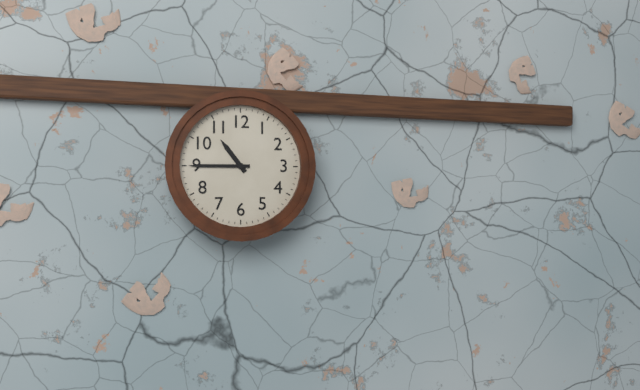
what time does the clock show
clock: 10:45
